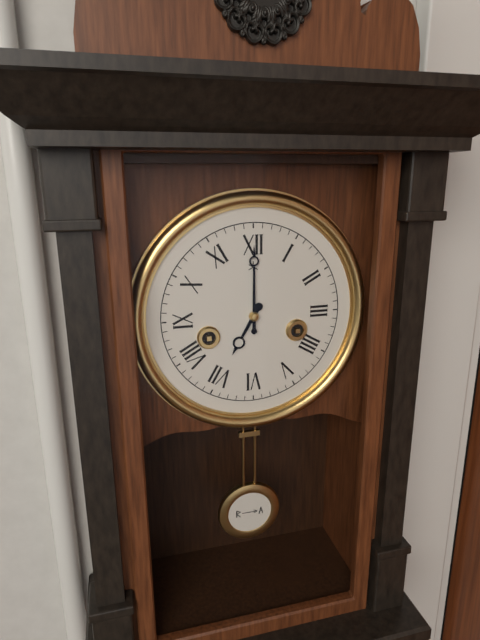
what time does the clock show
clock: 7:00
